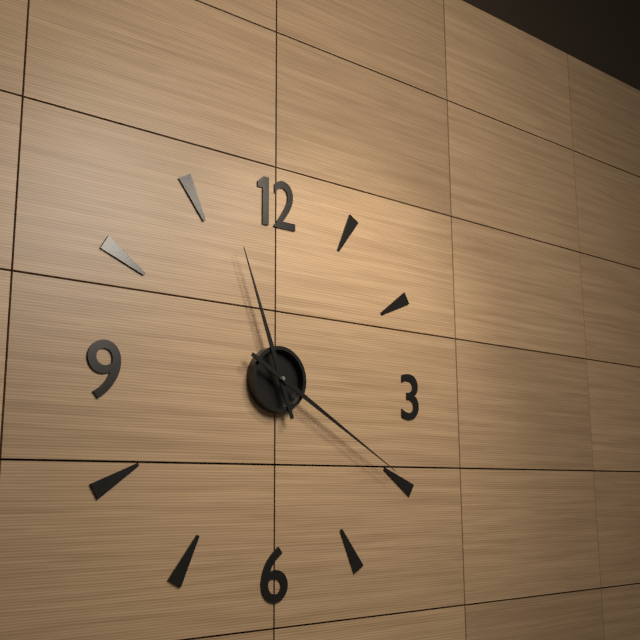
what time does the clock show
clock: 11:20
